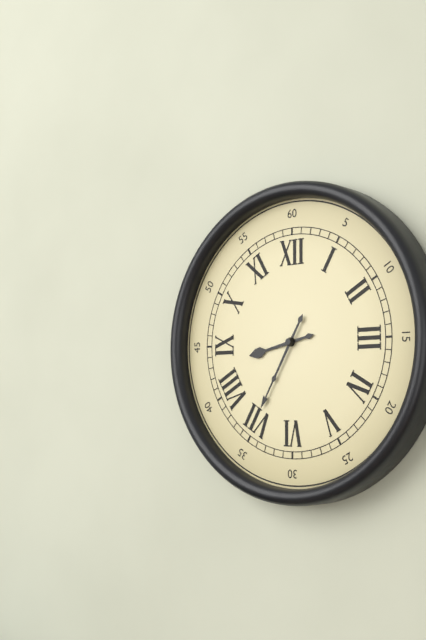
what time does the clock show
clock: 8:35
